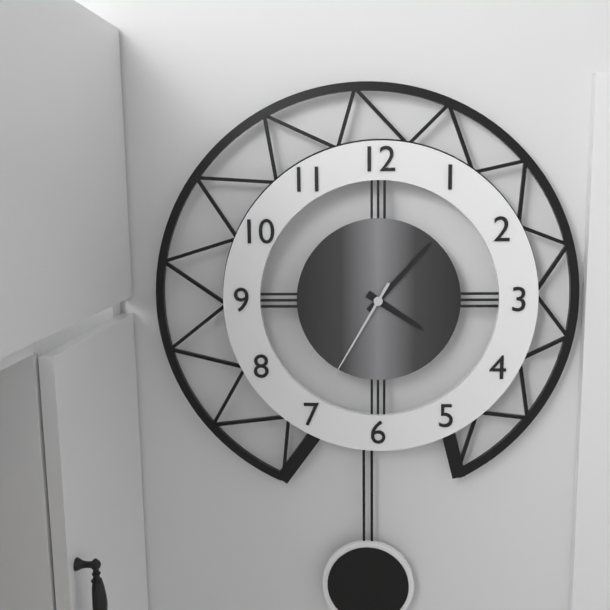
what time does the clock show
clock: 4:07:35
